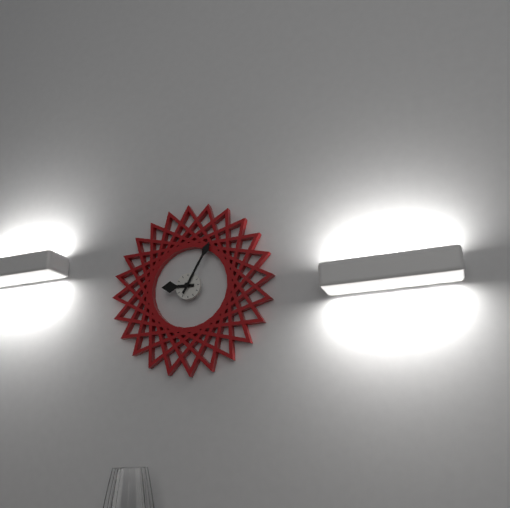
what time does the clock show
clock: 9:05
